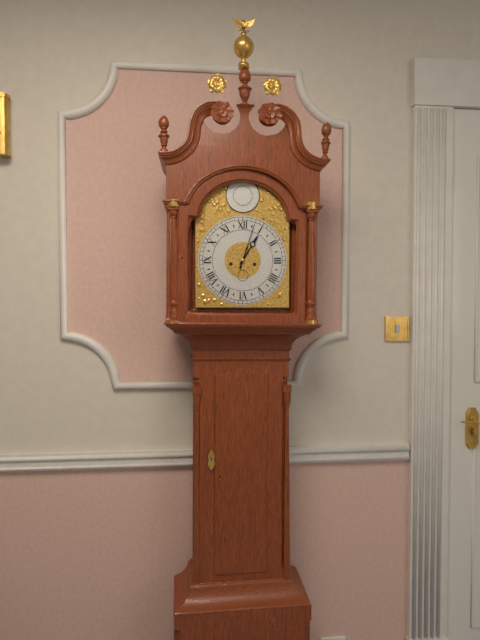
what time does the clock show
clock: 1:03
